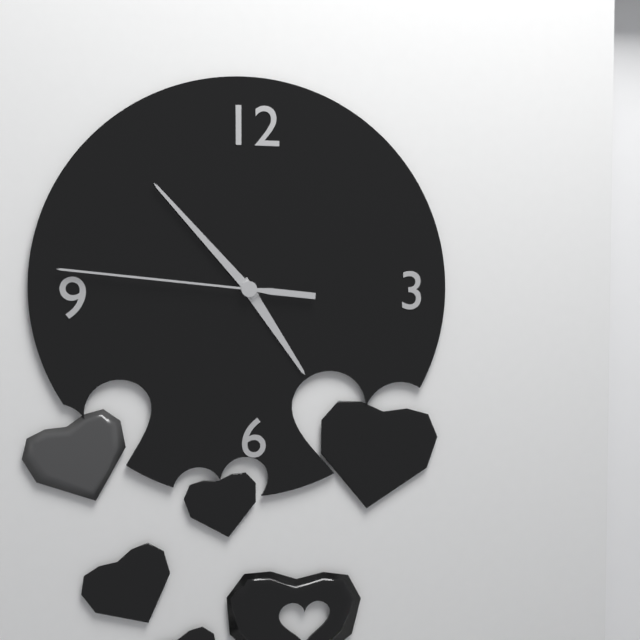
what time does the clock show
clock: 4:53:46
